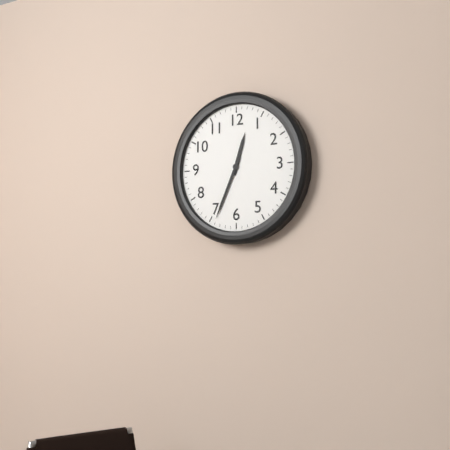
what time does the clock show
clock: 12:34
